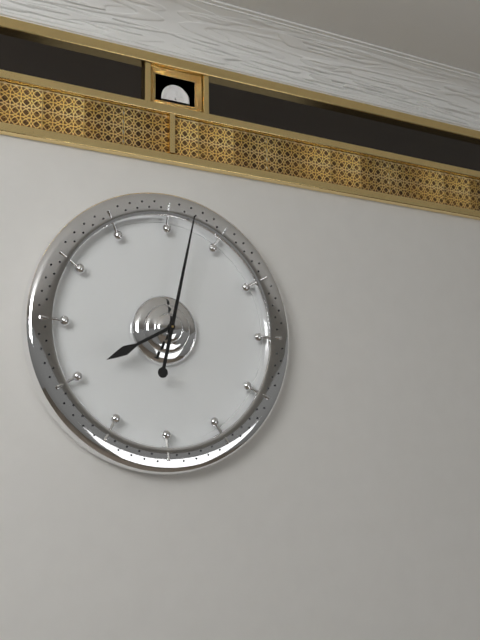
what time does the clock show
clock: 8:02
